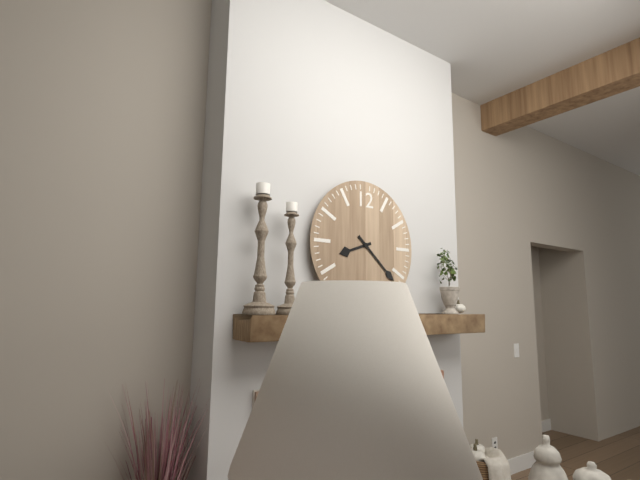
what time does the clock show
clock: 8:22
